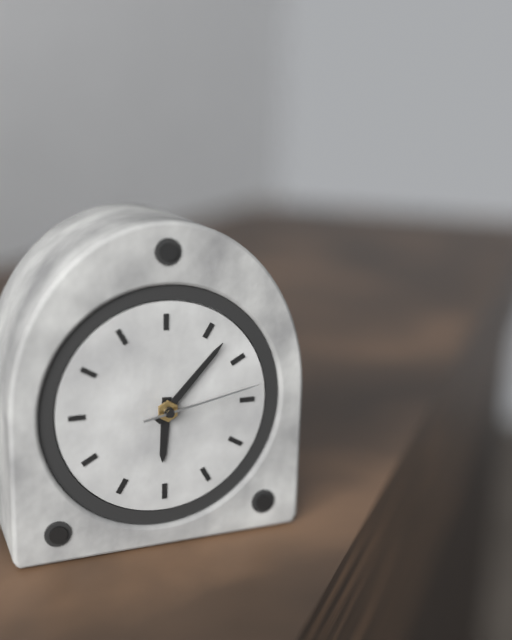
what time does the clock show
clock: 6:07:13
